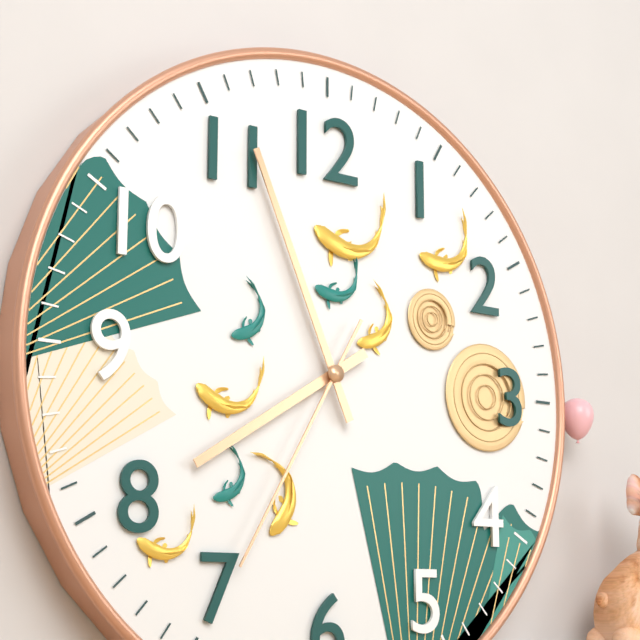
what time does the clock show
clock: 7:56:35
